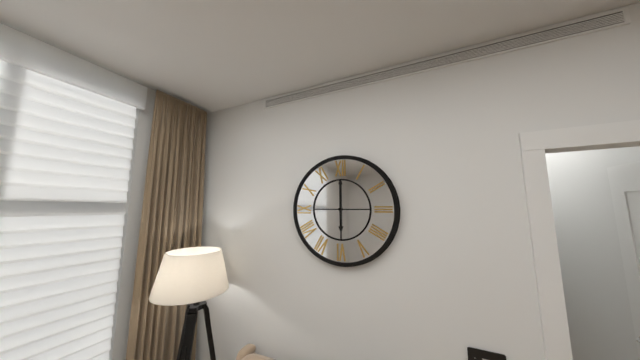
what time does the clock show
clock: 6:00
